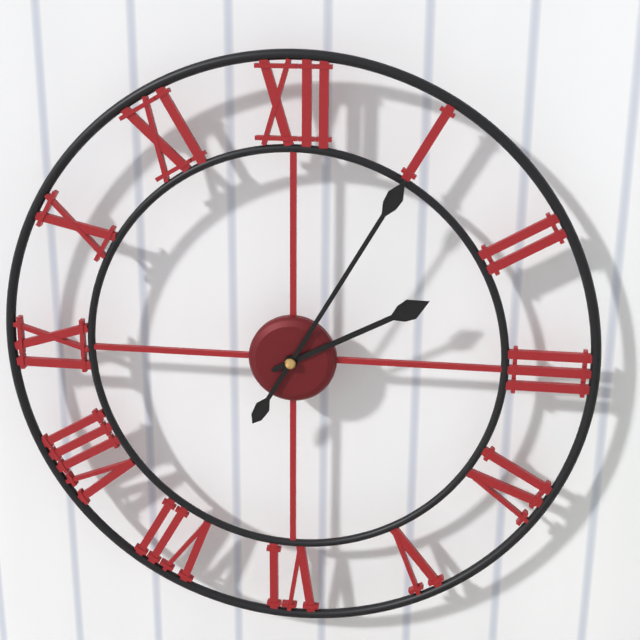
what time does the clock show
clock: 2:05
